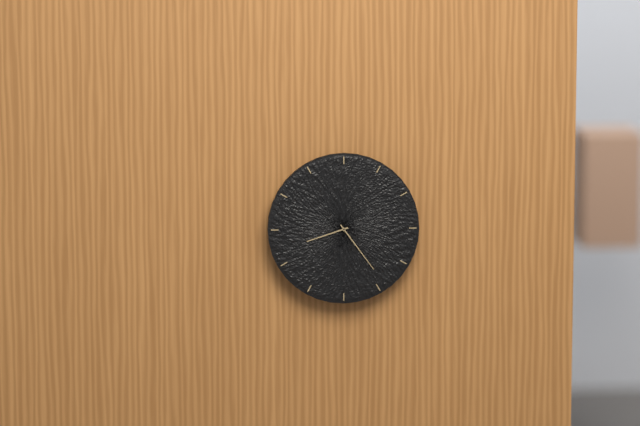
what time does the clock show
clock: 8:24
